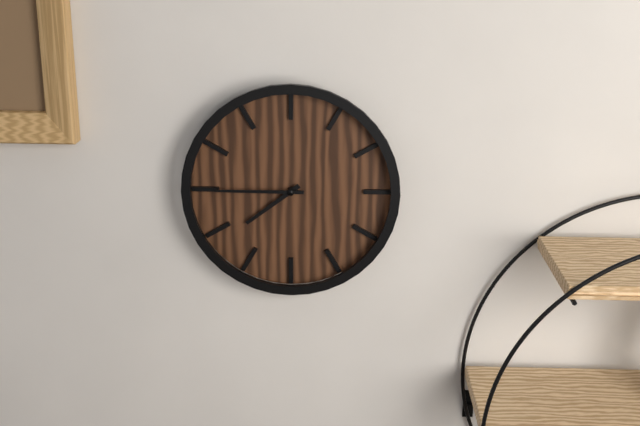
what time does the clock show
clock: 7:45
